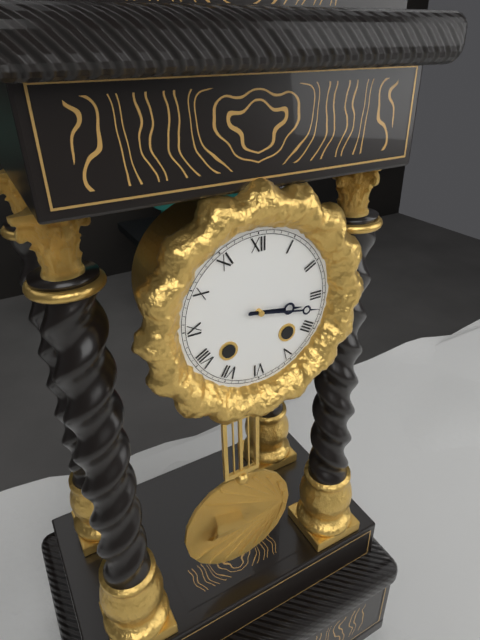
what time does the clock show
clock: 3:17
